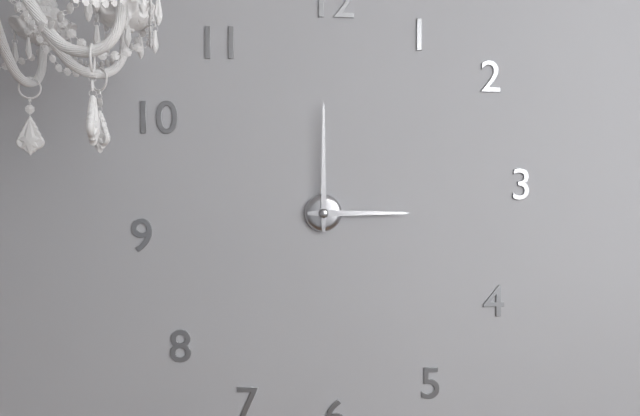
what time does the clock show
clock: 3:00
